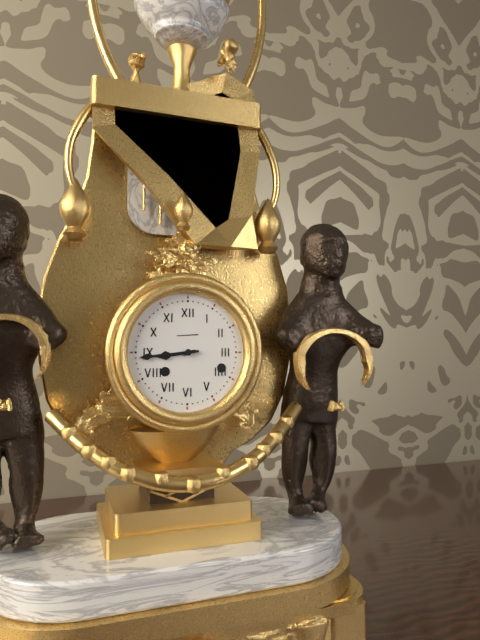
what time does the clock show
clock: 8:44
